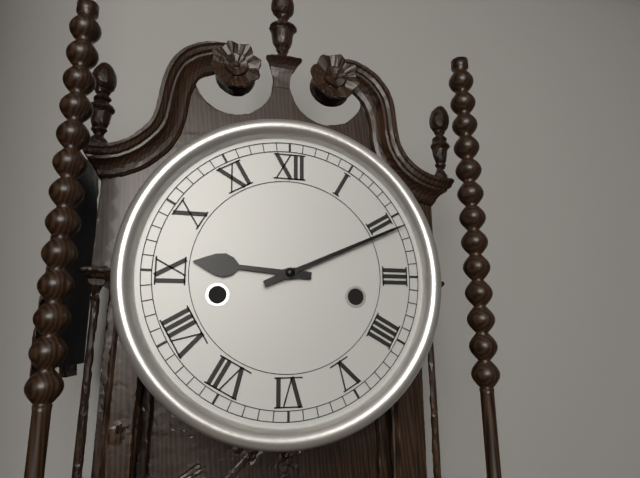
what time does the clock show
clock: 9:11
